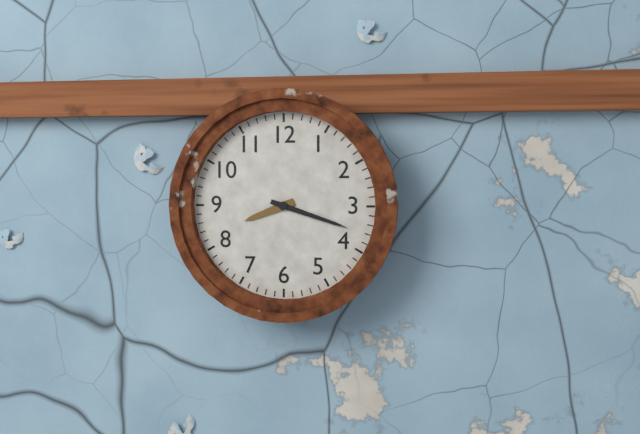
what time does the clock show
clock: 8:18
